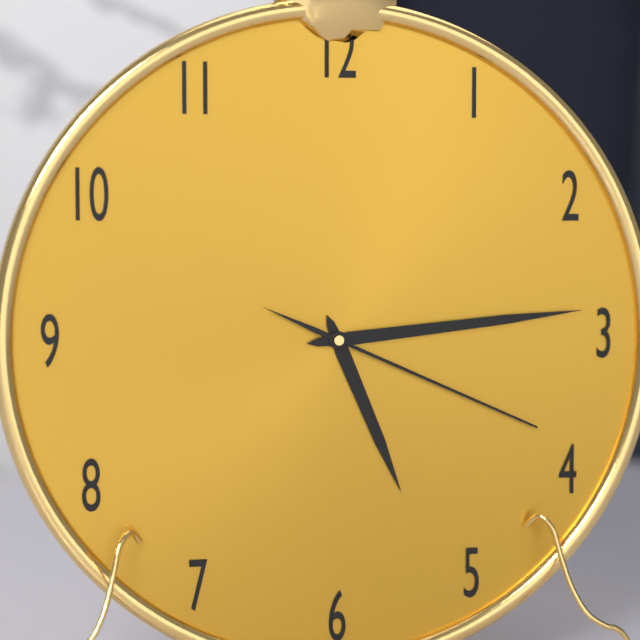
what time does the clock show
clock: 5:14:19
